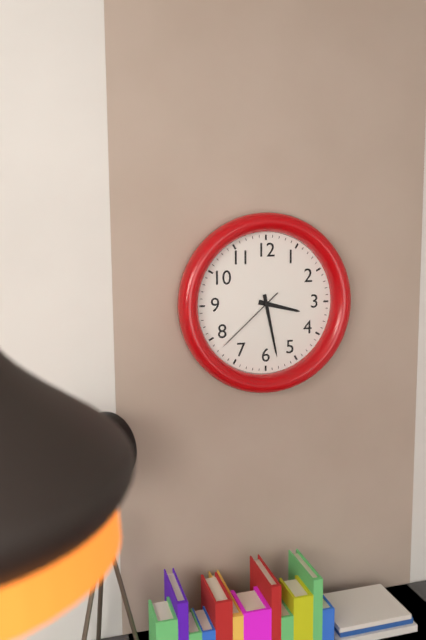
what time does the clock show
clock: 3:28:38
